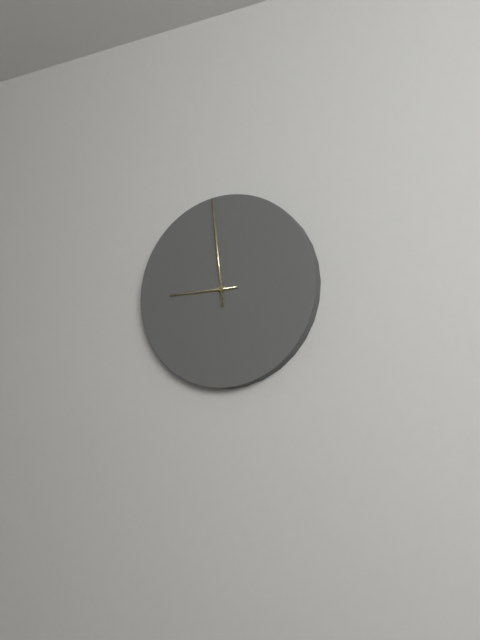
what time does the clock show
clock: 8:59
